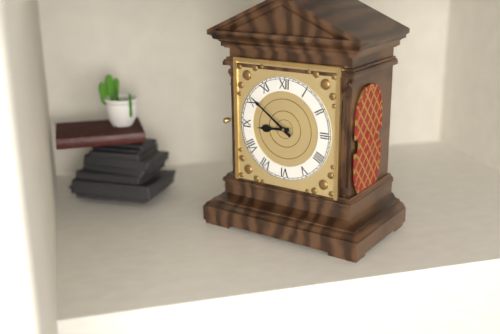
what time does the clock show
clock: 8:51
